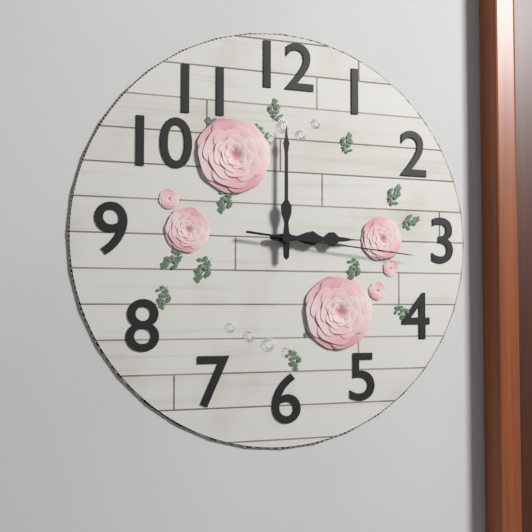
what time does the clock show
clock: 3:00:16
